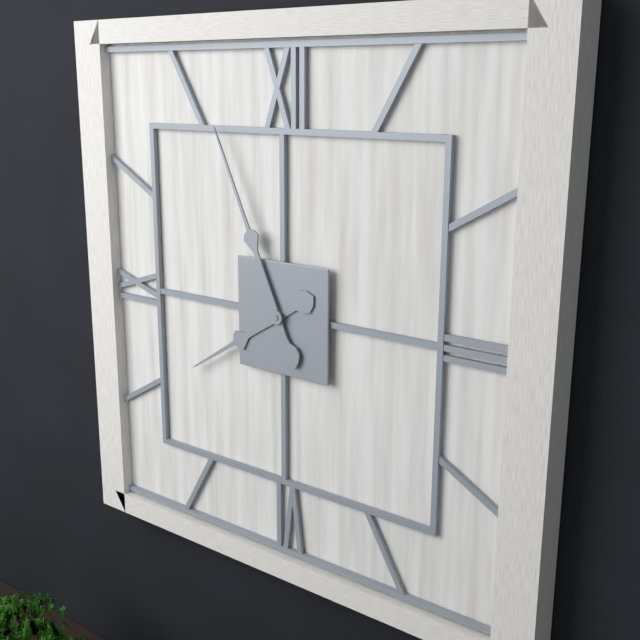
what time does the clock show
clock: 7:56
